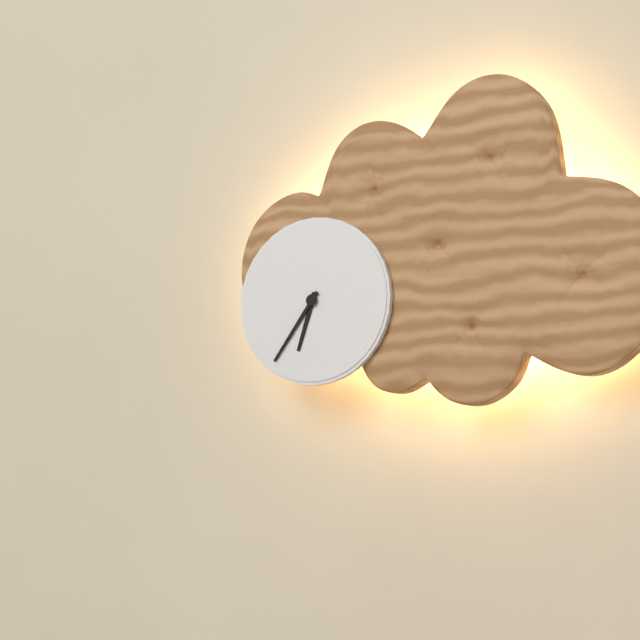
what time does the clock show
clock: 6:36
